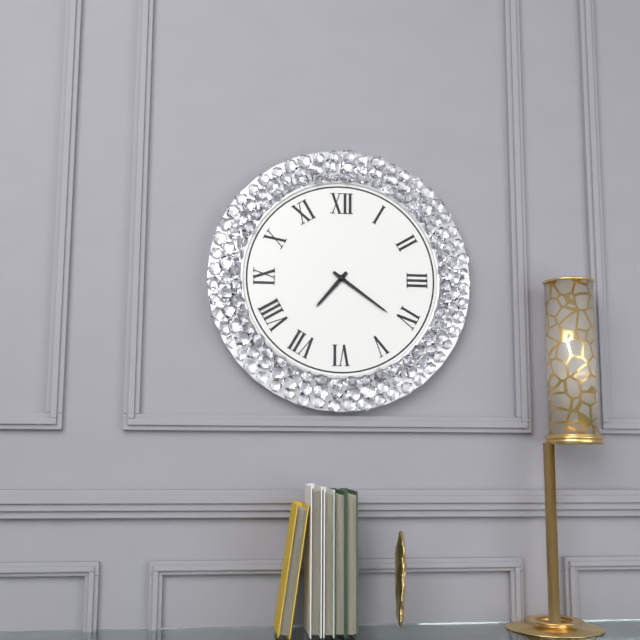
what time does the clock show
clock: 7:21
